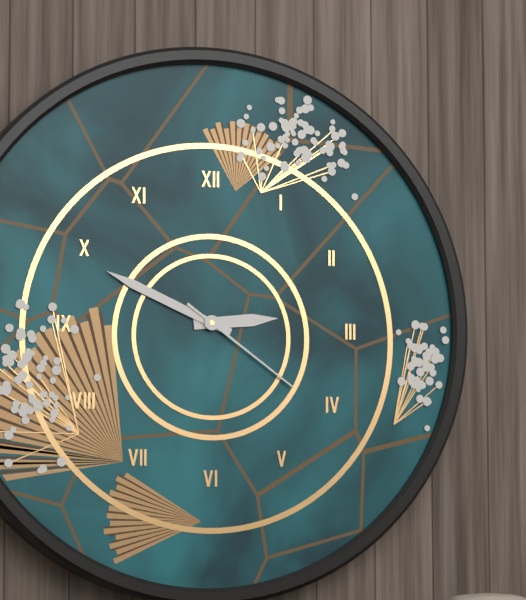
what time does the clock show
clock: 2:49:21
